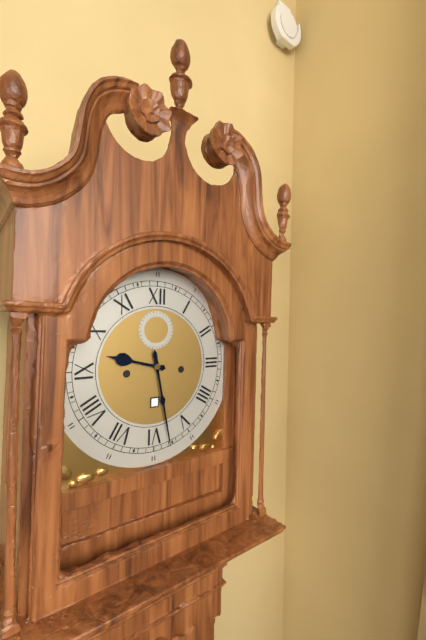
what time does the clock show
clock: 9:28
